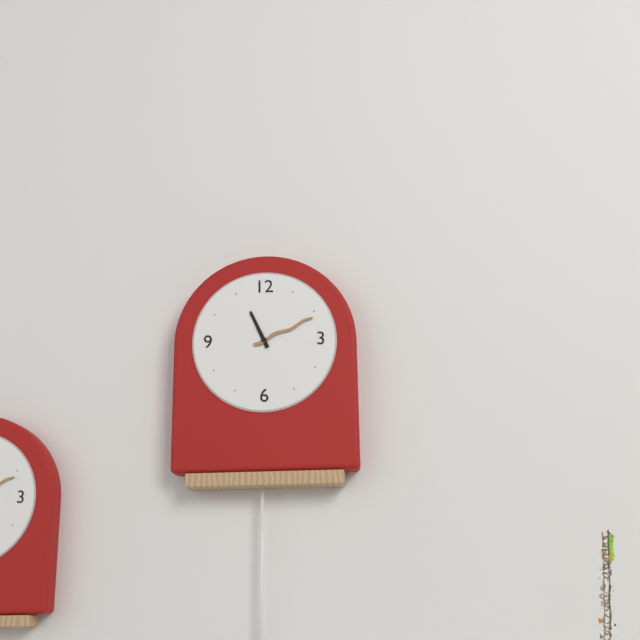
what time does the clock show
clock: 11:11
